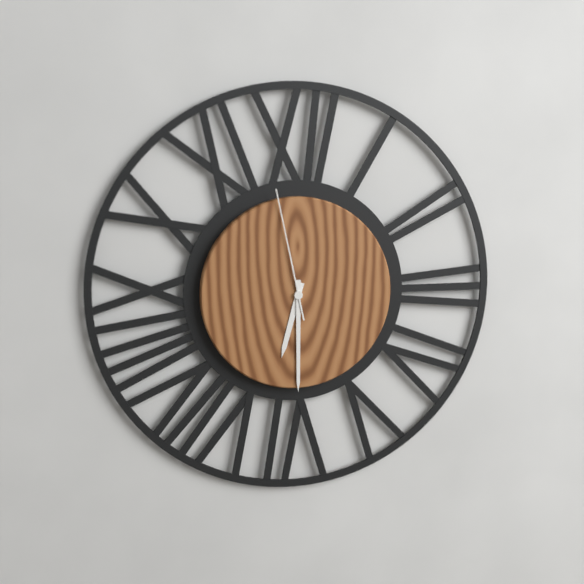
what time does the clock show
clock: 6:30:58
